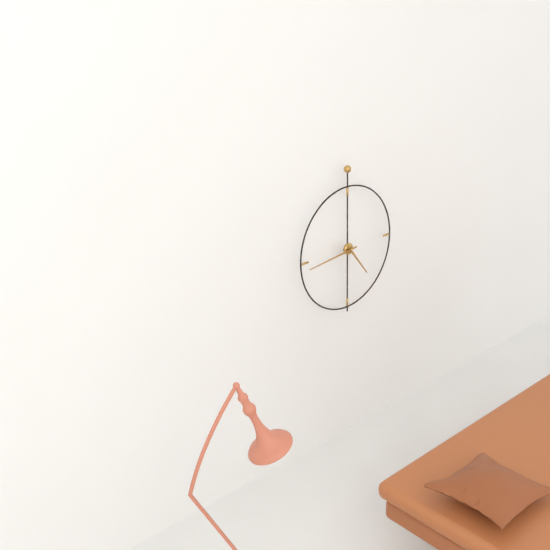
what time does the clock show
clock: 4:44
